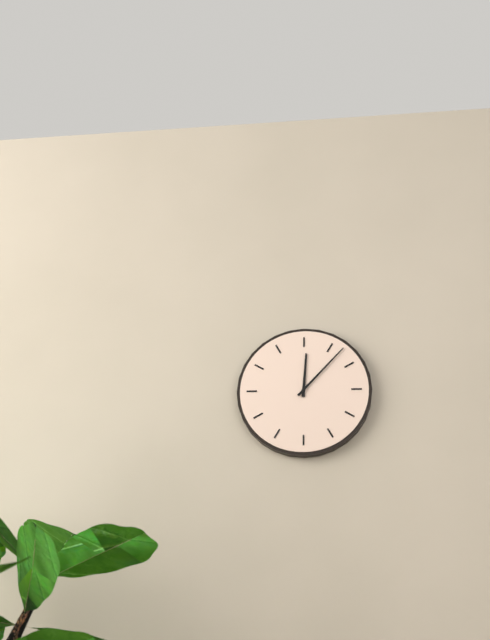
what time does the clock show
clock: 12:07
